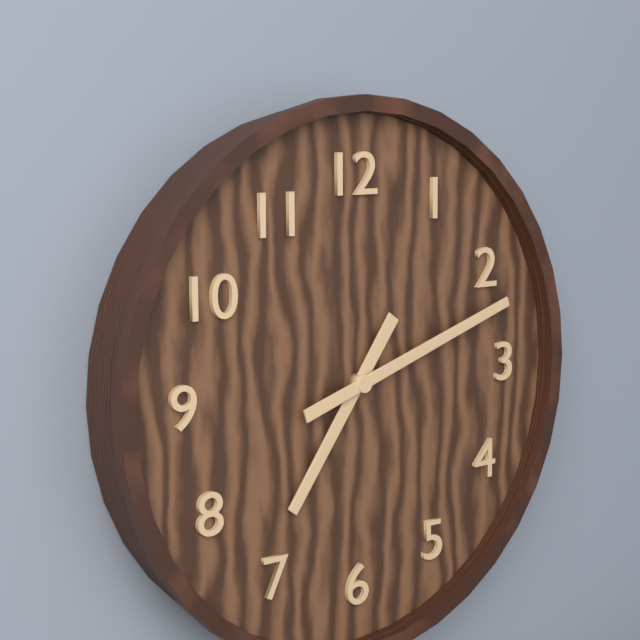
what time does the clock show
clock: 7:12
